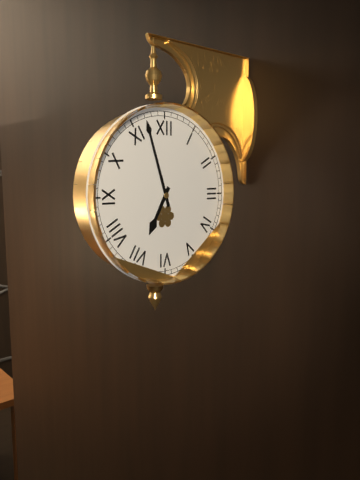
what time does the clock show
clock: 6:57
